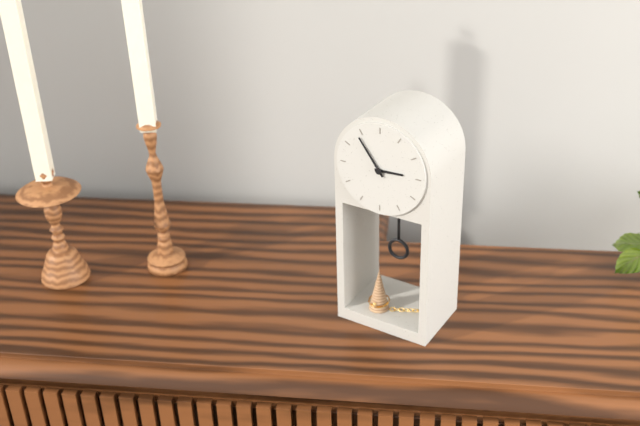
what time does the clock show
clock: 2:54
